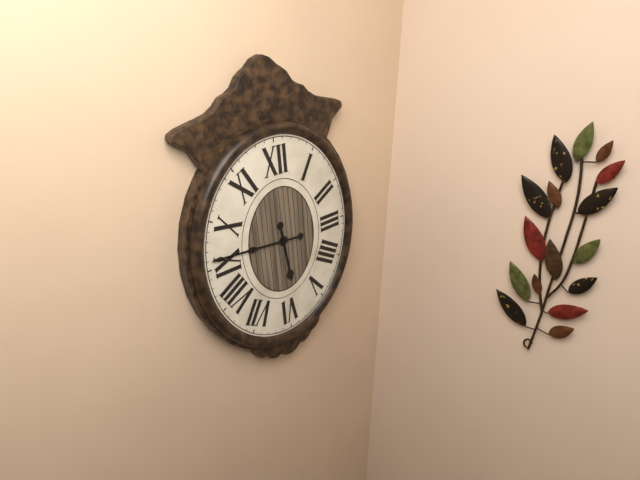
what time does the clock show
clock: 5:46
